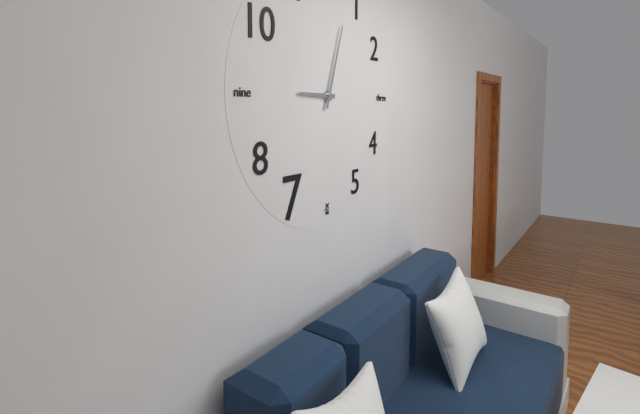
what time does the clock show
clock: 9:03
